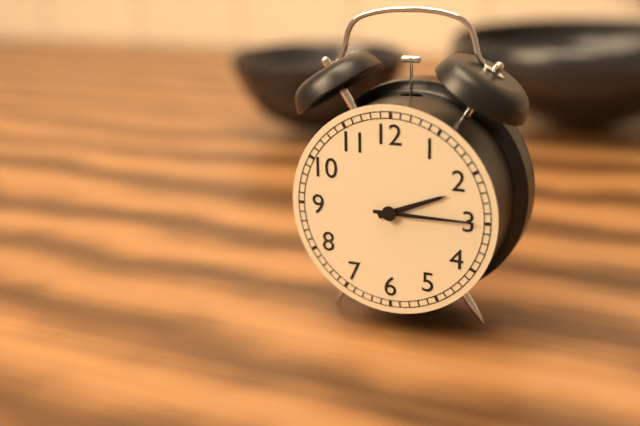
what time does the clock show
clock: 2:15
